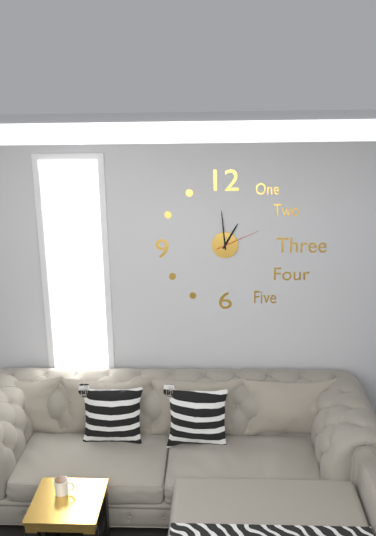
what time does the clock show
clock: 12:59
